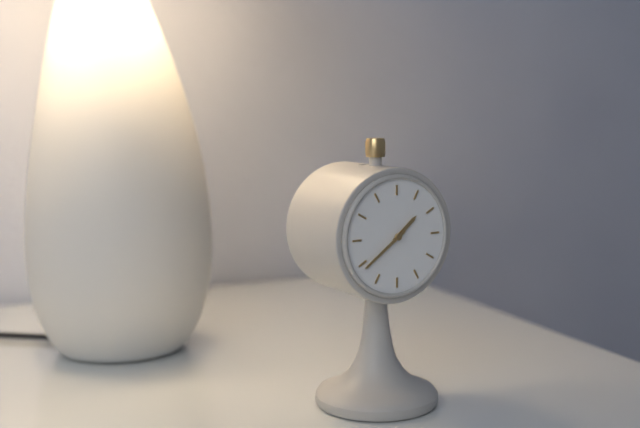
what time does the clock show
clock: 1:39
